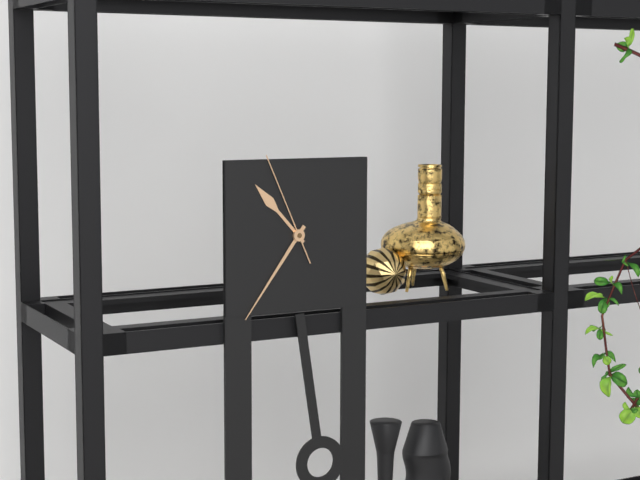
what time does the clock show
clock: 10:36:56
